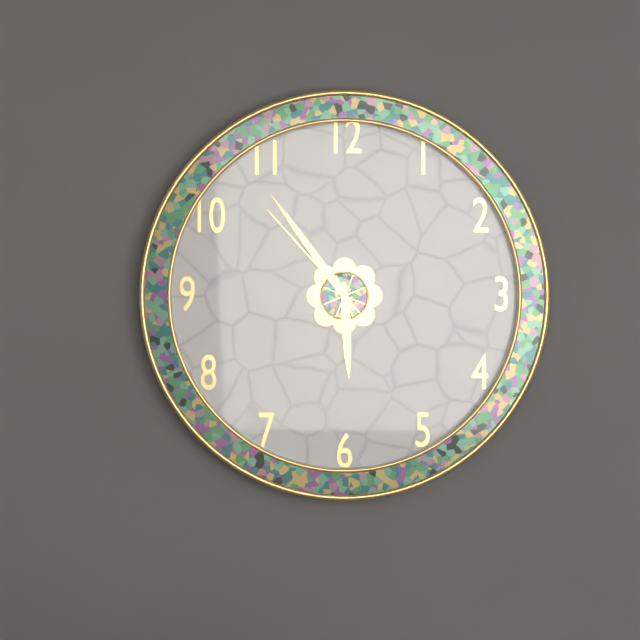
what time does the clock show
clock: 5:54:53
